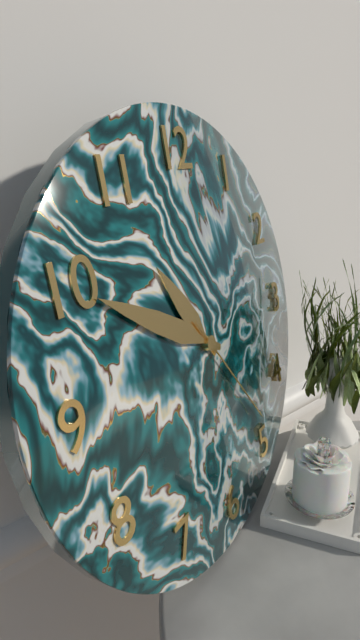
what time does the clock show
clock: 10:50:24
